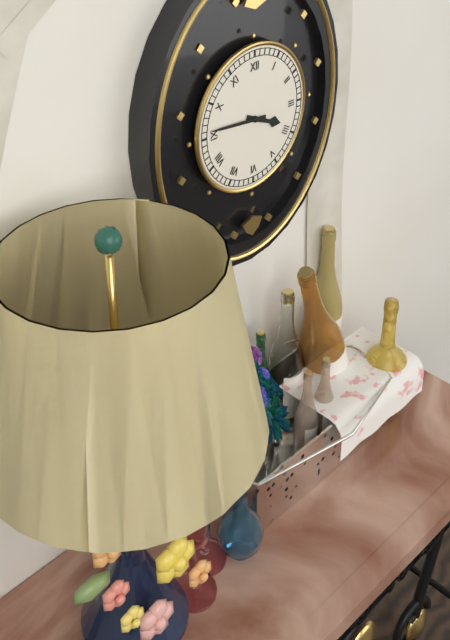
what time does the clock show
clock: 3:46
